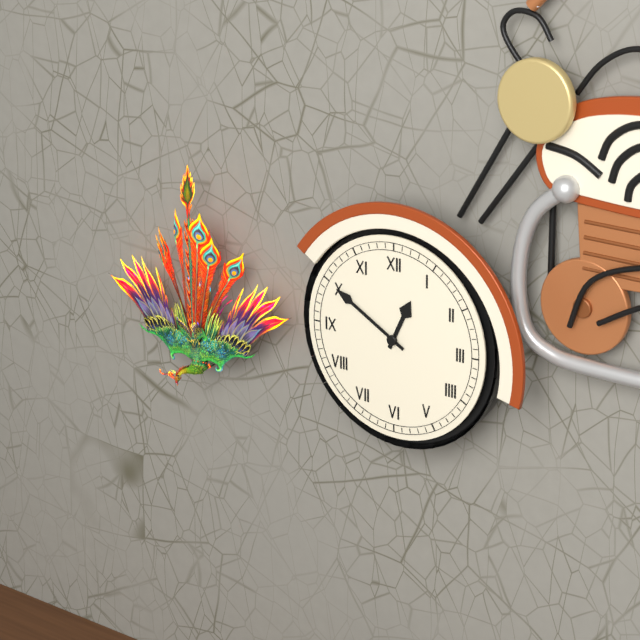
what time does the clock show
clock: 12:50
